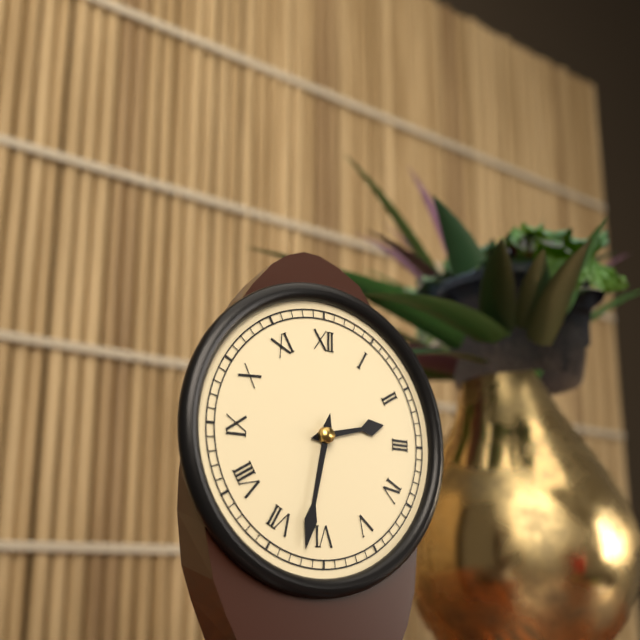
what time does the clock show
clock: 2:32
